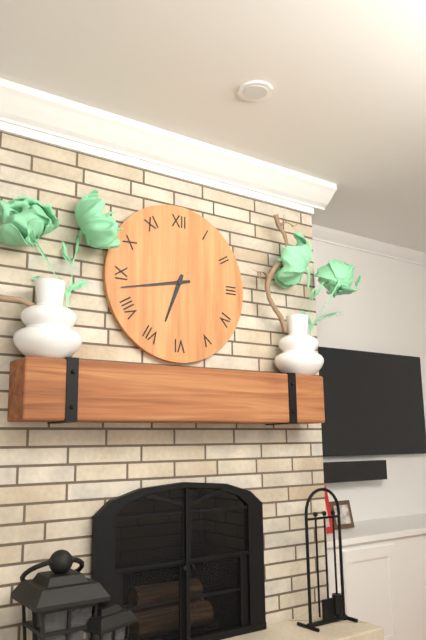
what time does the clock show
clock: 6:43
